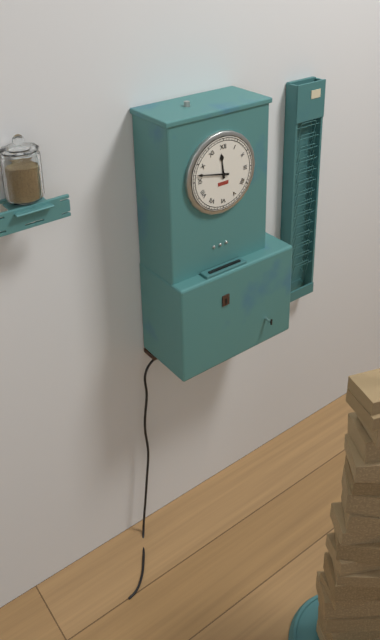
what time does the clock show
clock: 11:47
